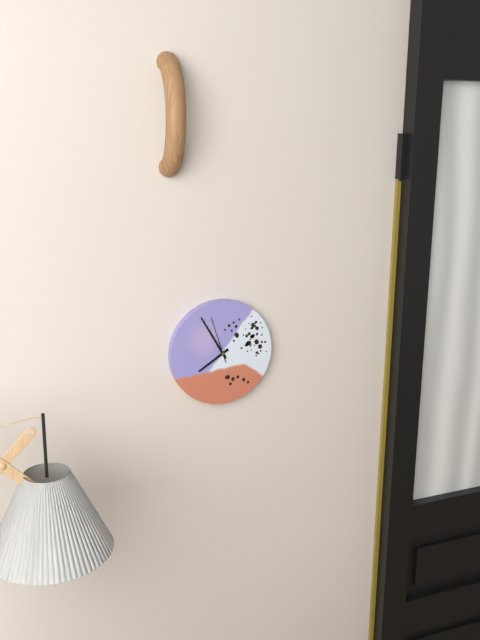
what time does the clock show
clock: 7:55
